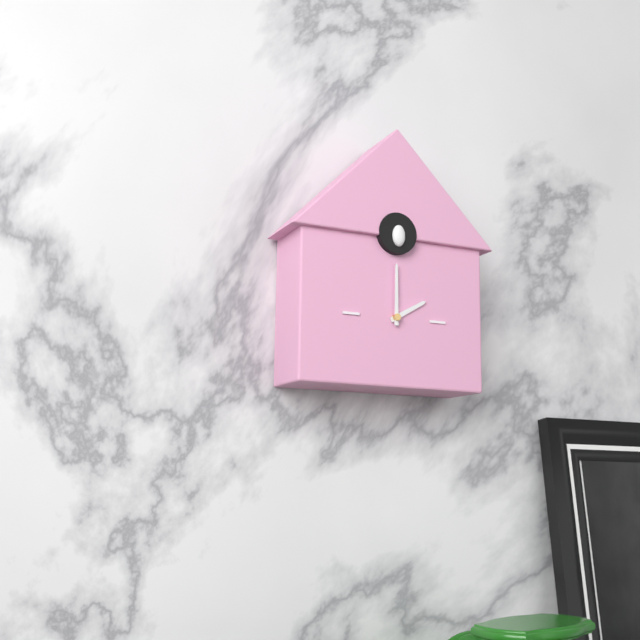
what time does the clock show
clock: 2:00
